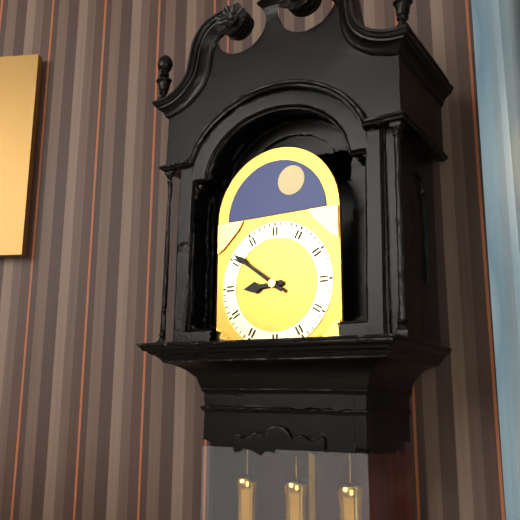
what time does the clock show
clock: 8:51
